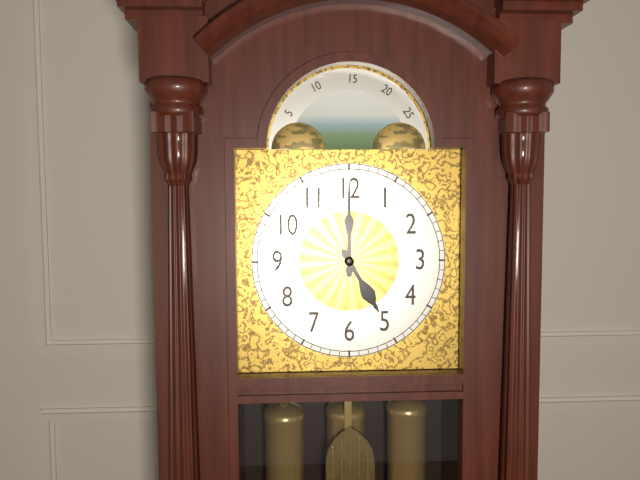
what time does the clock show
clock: 5:00
